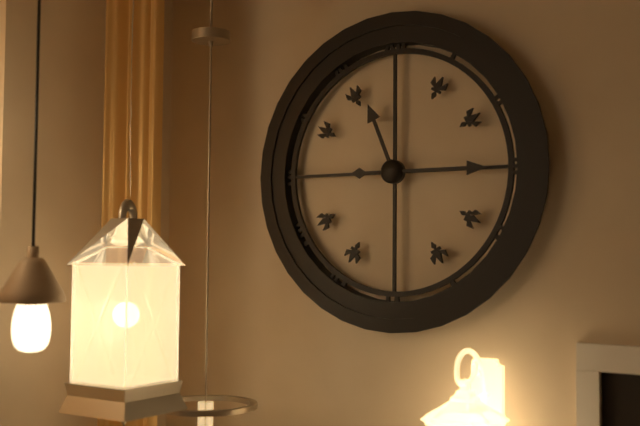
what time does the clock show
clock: 11:15
